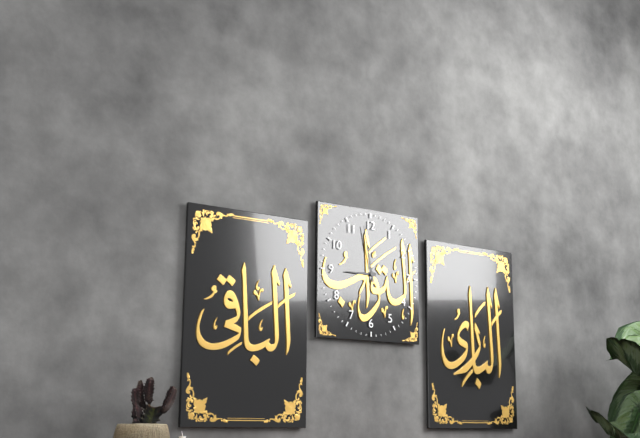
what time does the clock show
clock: 8:58
